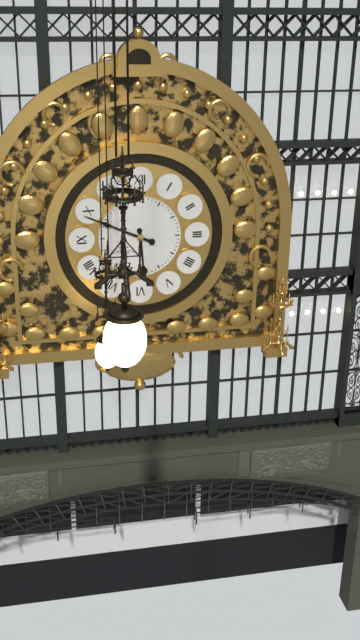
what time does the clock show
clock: 5:49
